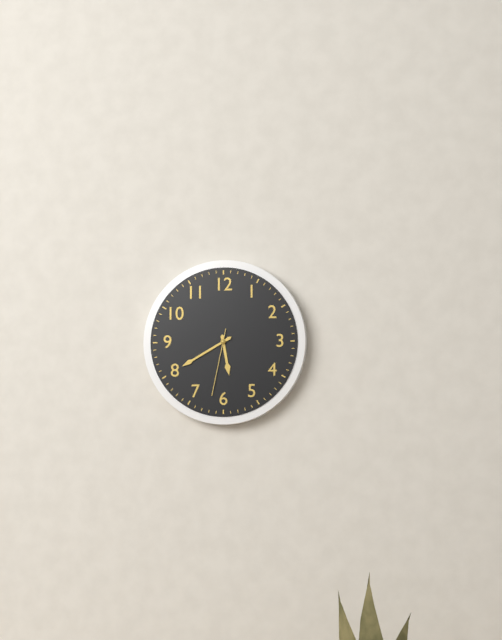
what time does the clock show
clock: 5:40:32
